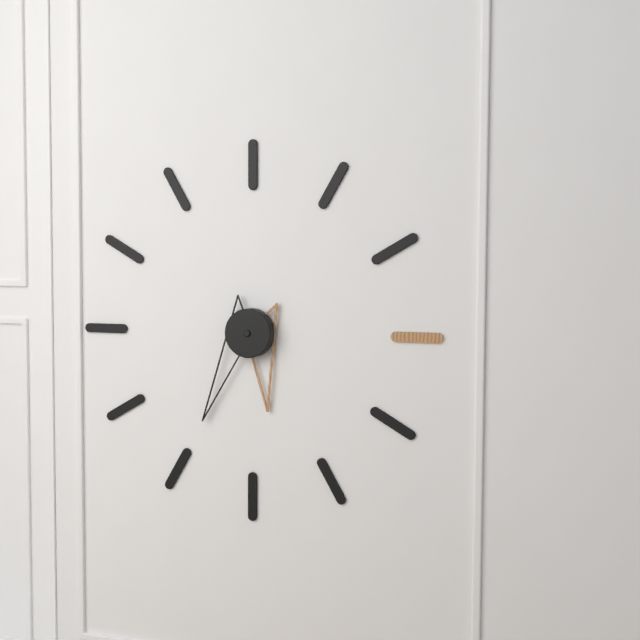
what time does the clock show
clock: 5:35
